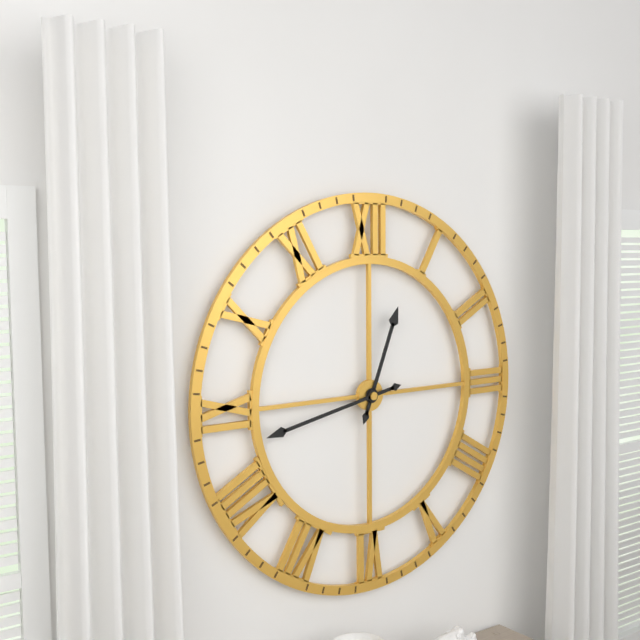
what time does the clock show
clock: 12:43
